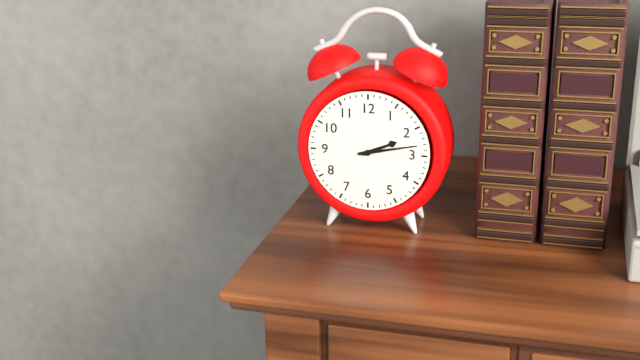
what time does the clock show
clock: 2:13
